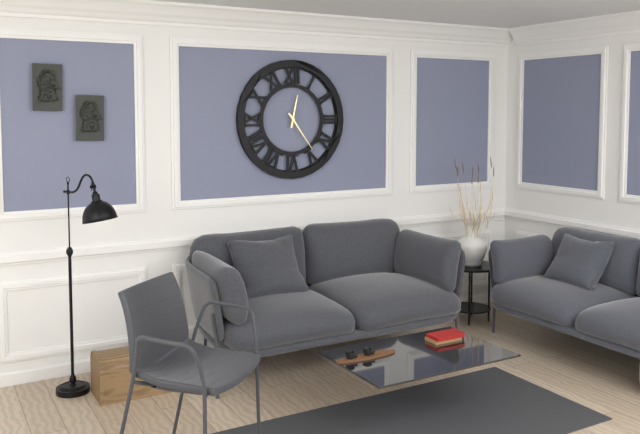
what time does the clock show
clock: 12:24
